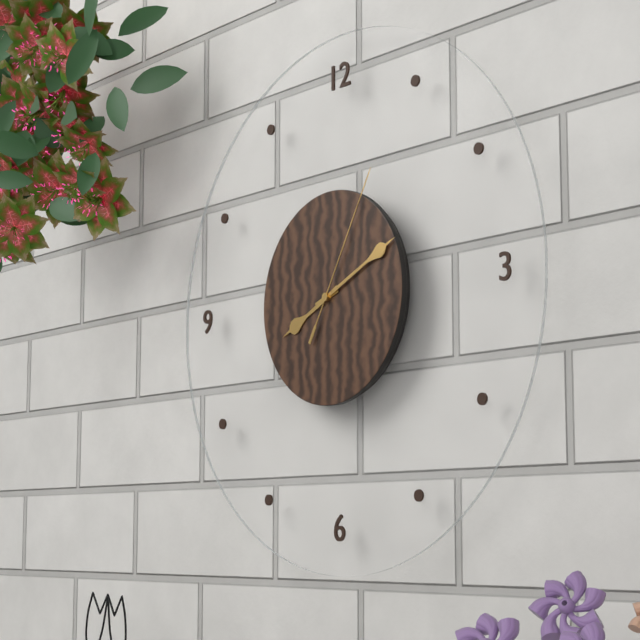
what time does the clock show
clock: 8:11:05
